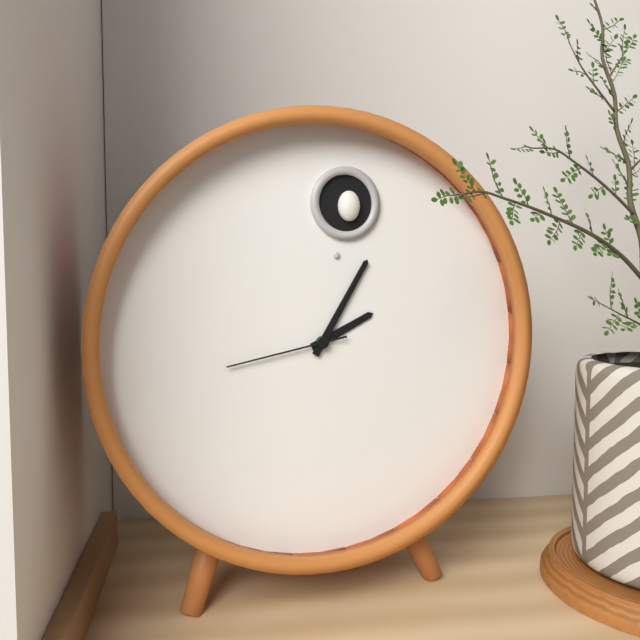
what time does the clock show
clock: 2:05:43
